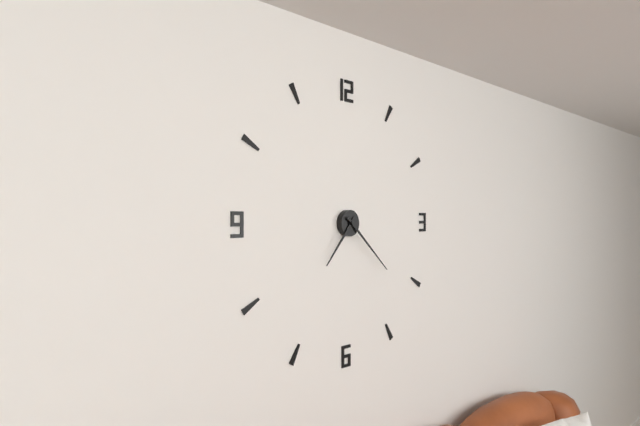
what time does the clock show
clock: 7:22
